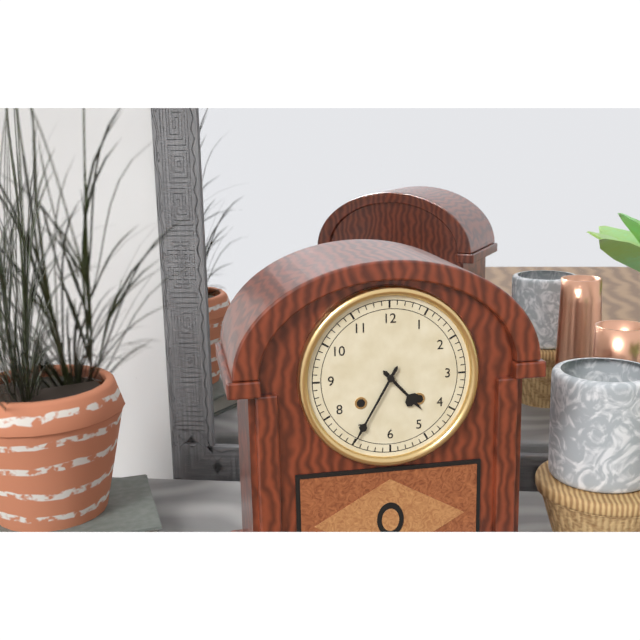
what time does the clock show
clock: 4:35
